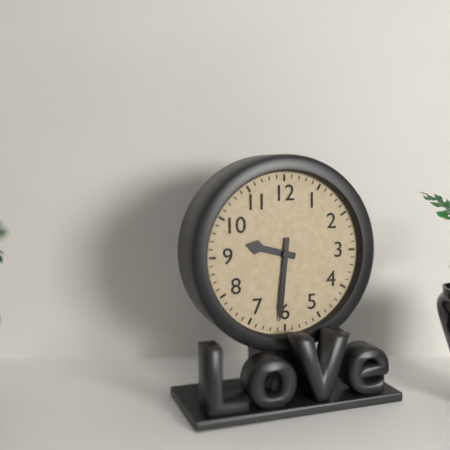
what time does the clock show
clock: 9:31
